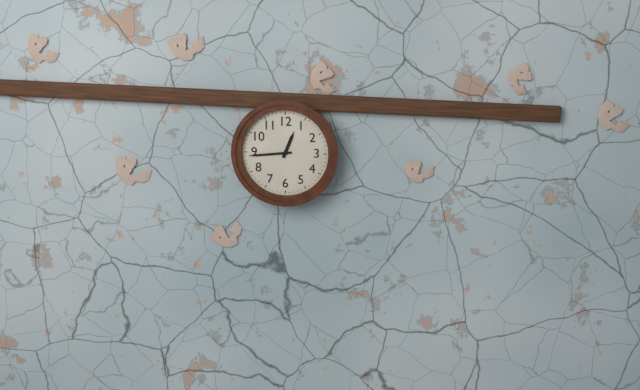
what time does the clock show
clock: 12:44
